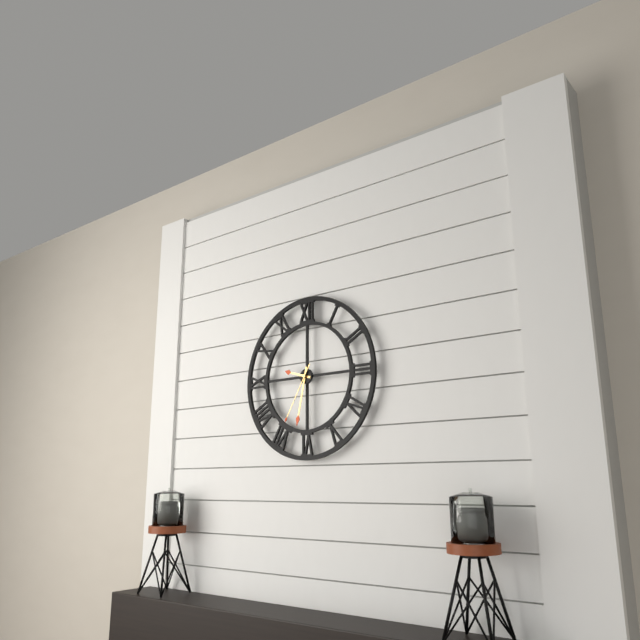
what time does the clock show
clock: 9:32:35
